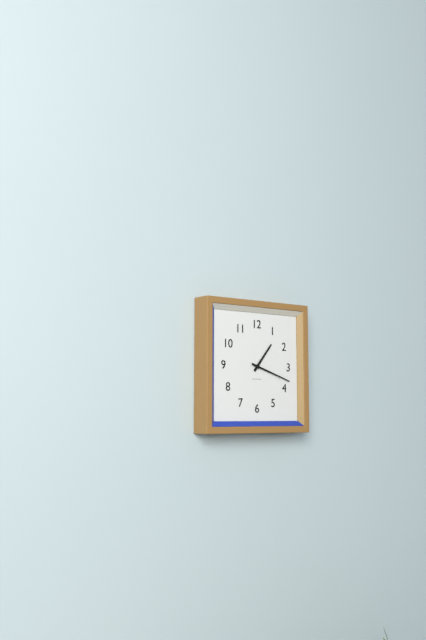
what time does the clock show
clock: 1:18
